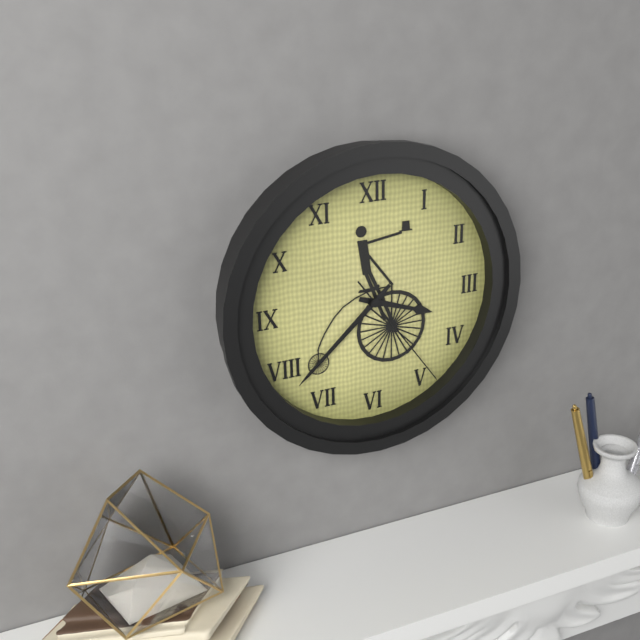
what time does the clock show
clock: 3:38:24
